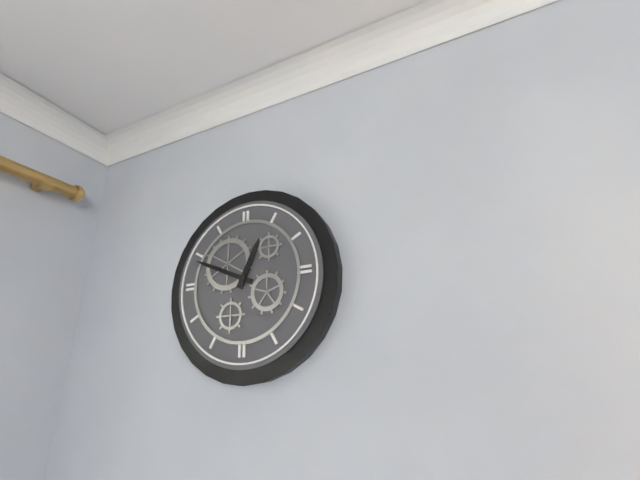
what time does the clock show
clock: 12:49
